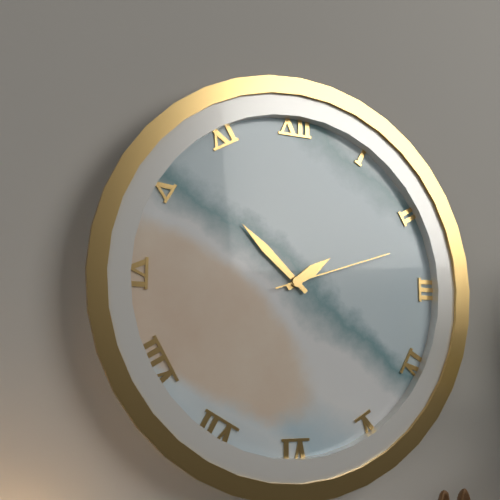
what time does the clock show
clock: 1:52:12
